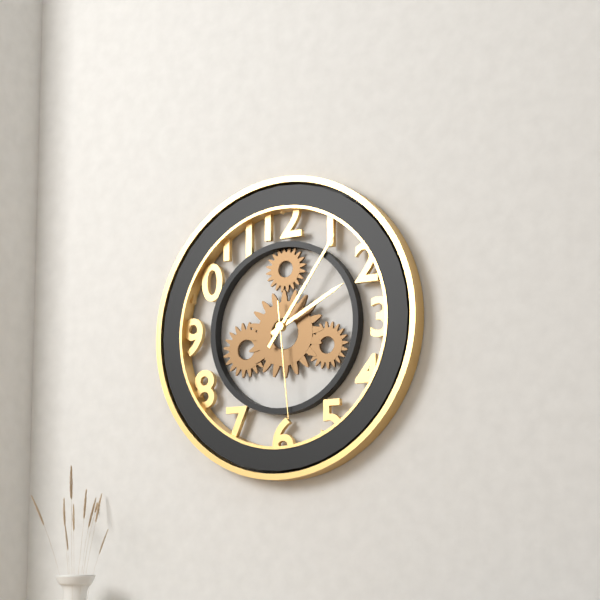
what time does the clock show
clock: 2:06:29
